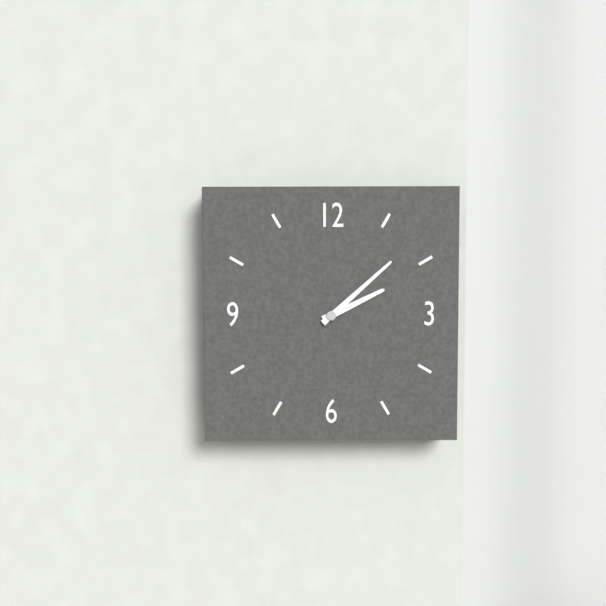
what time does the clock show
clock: 2:08
